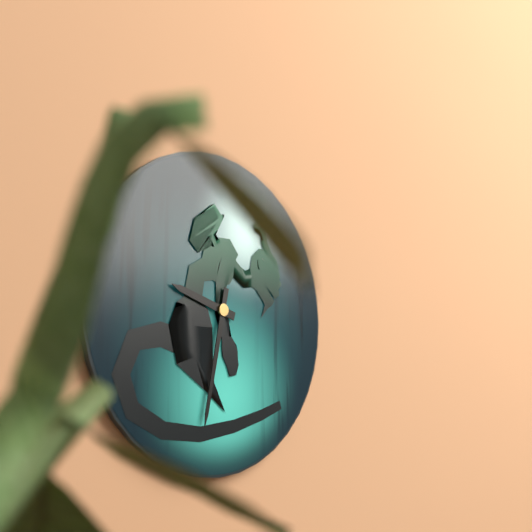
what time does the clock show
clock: 9:32
